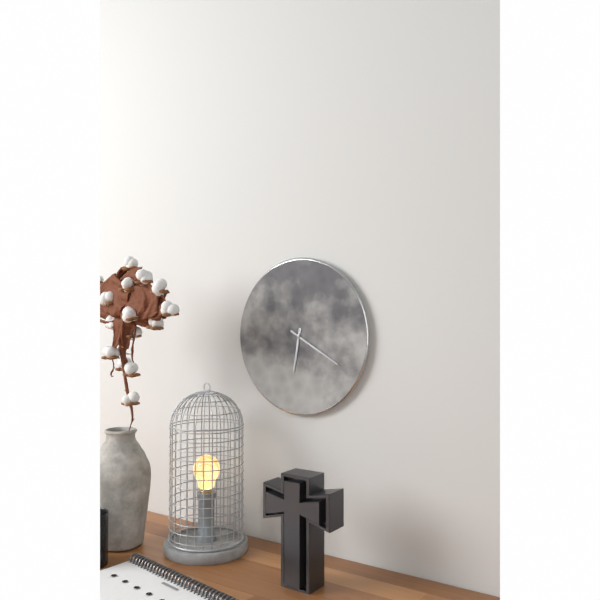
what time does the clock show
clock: 6:20
